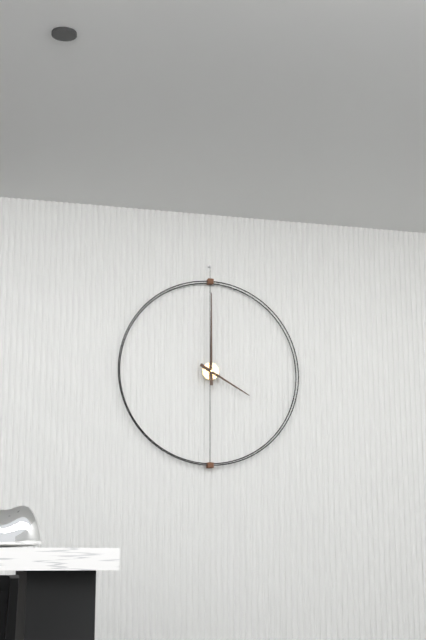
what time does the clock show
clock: 4:00
